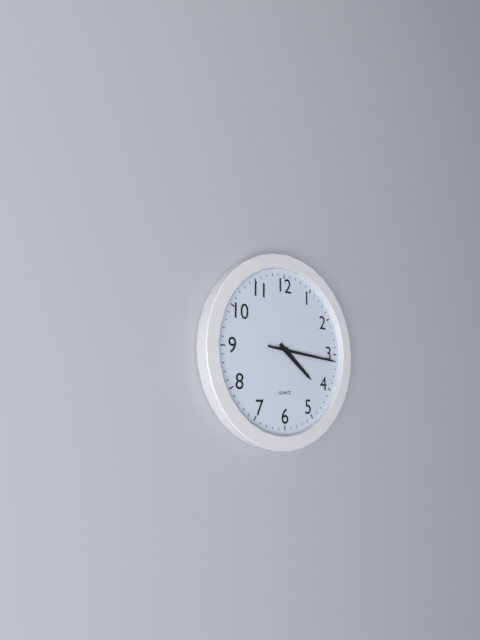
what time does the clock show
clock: 4:16
